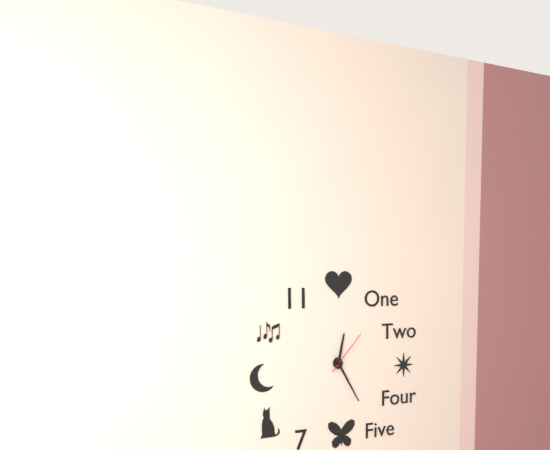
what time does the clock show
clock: 12:25
